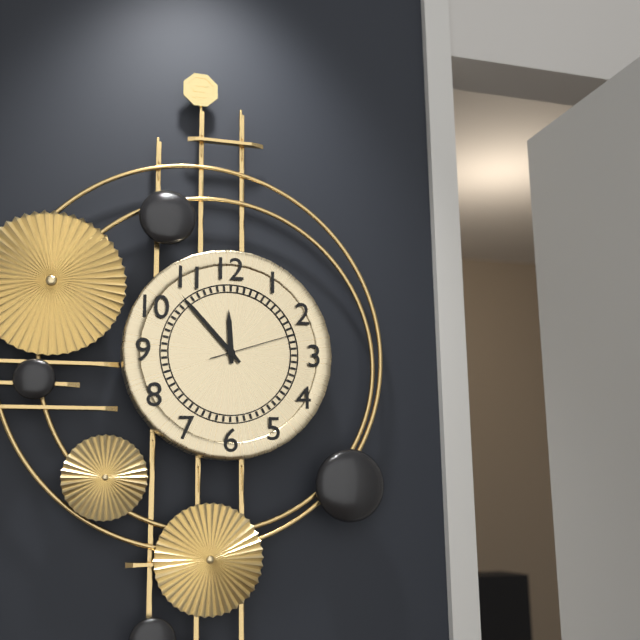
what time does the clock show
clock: 11:53:12
